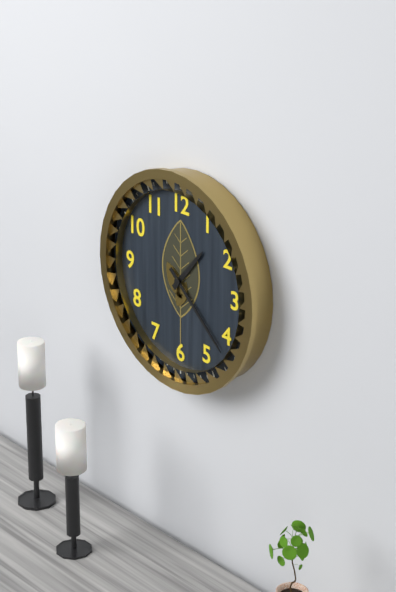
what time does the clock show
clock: 1:22
